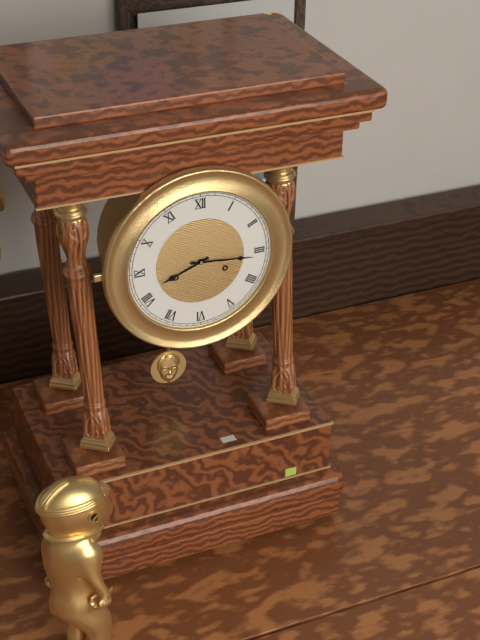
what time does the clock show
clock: 8:16
